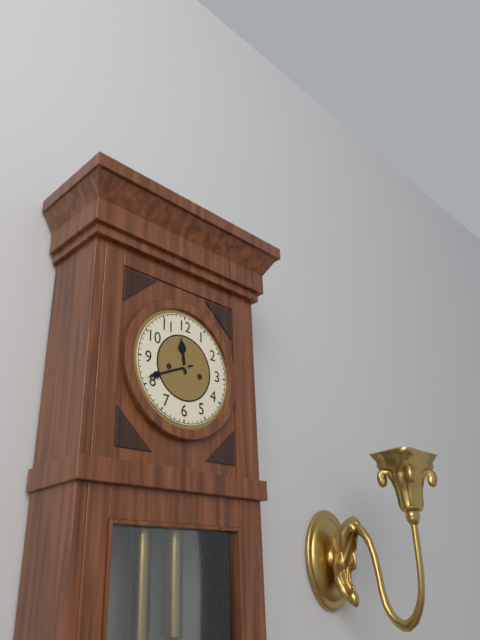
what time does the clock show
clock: 11:41
